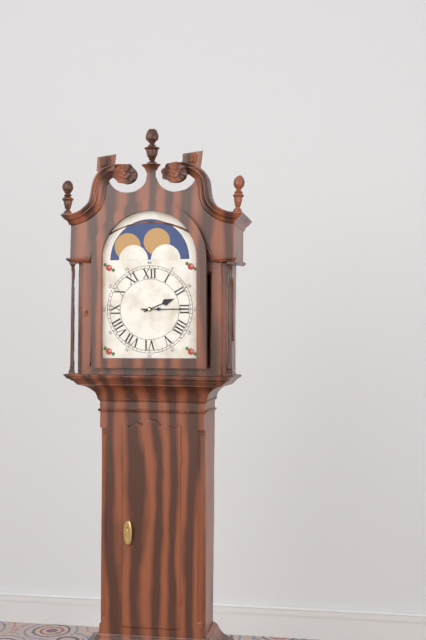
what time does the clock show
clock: 2:15
